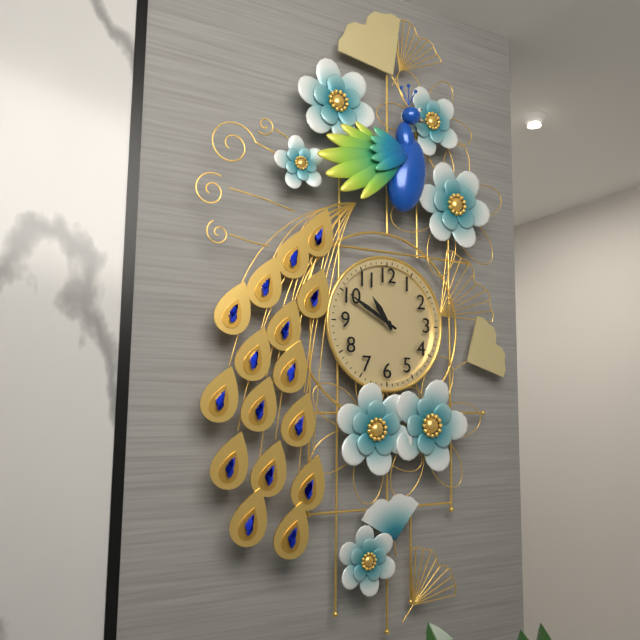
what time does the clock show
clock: 10:50
